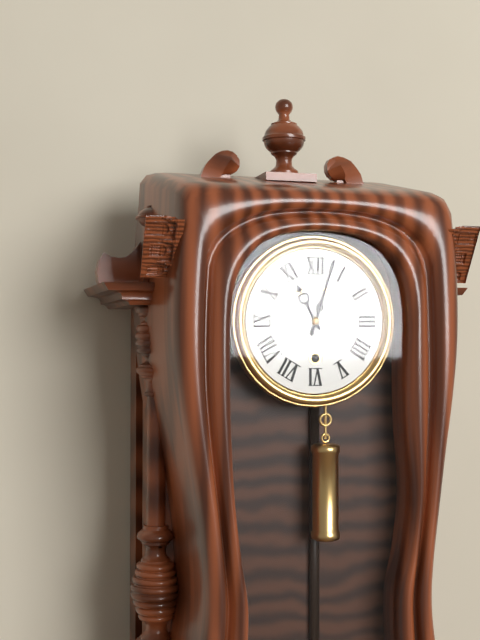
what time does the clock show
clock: 11:03
